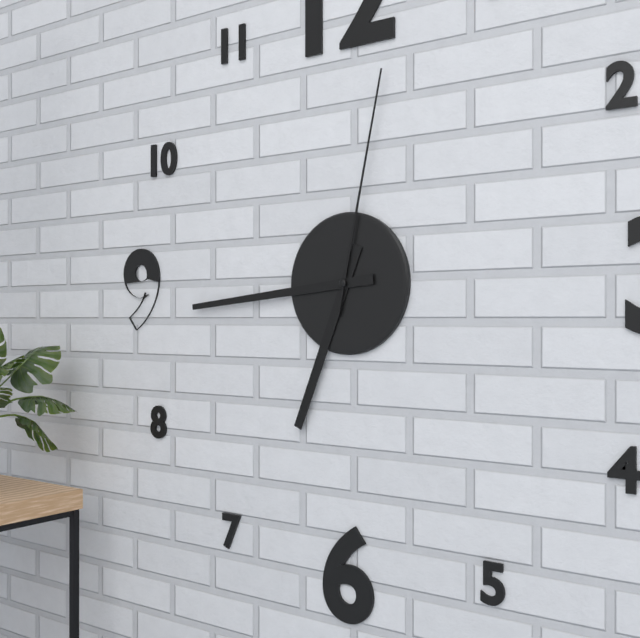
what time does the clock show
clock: 6:44:02
